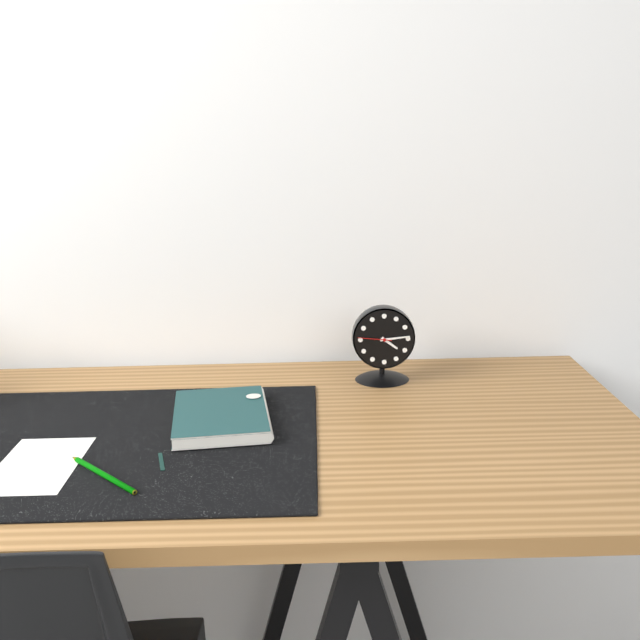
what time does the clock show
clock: 4:14
